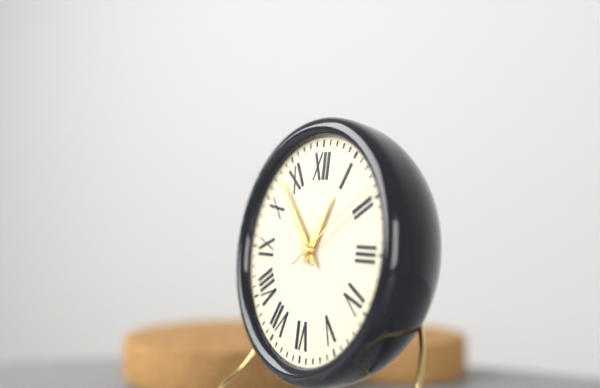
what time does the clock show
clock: 12:53:09
